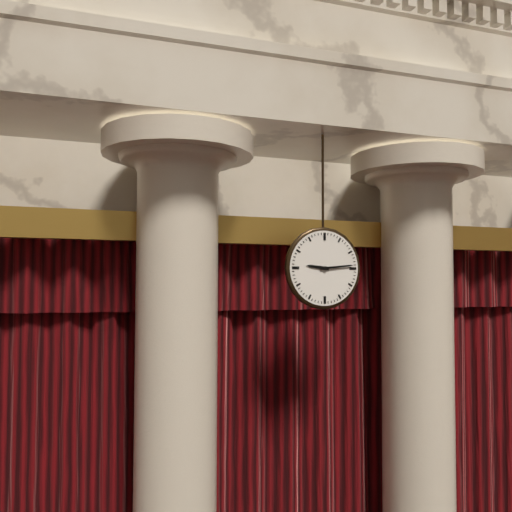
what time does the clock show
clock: 9:14
